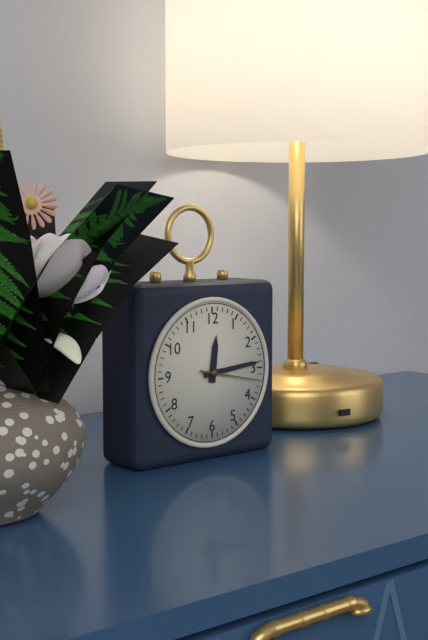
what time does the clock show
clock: 12:14:17
